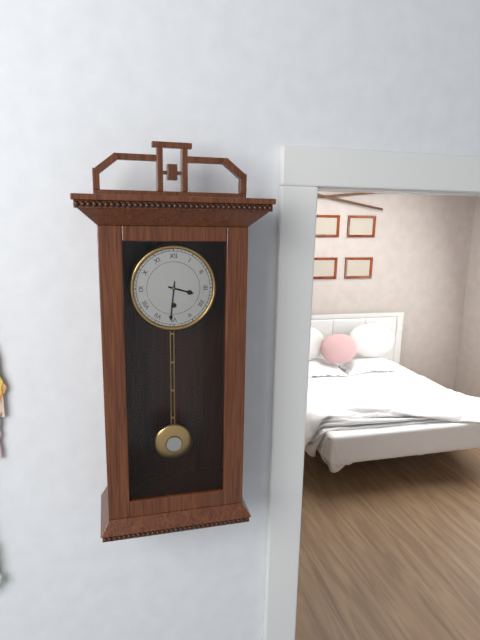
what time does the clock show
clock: 3:31
